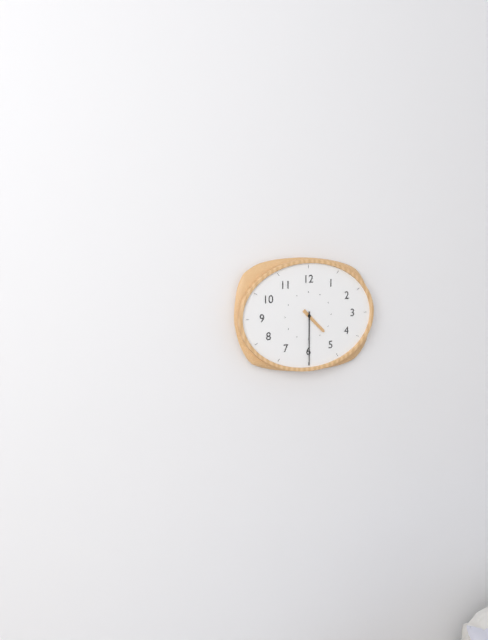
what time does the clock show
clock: 4:30
